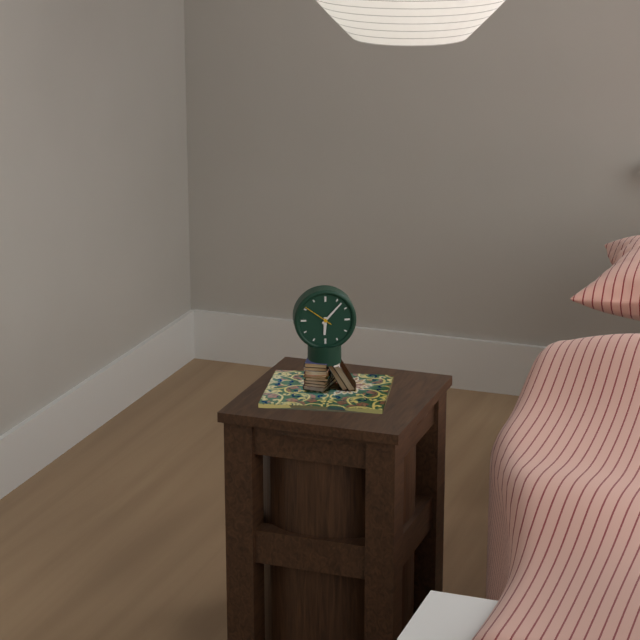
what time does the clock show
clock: 6:07
